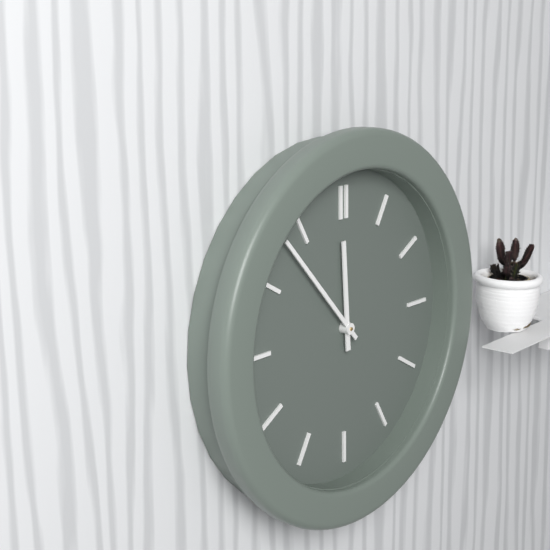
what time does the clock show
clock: 11:53
